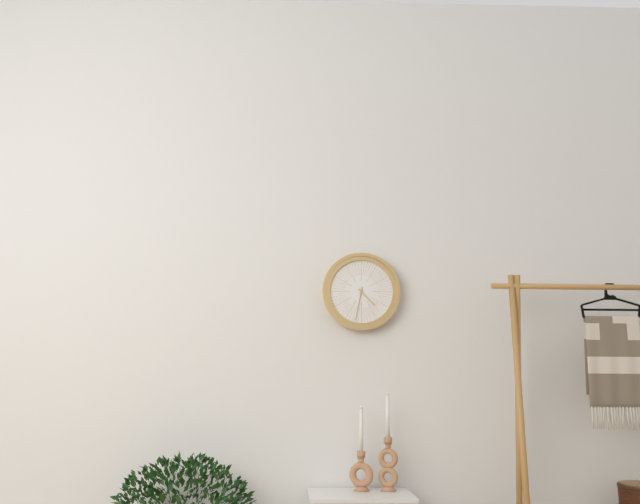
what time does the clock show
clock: 4:32
